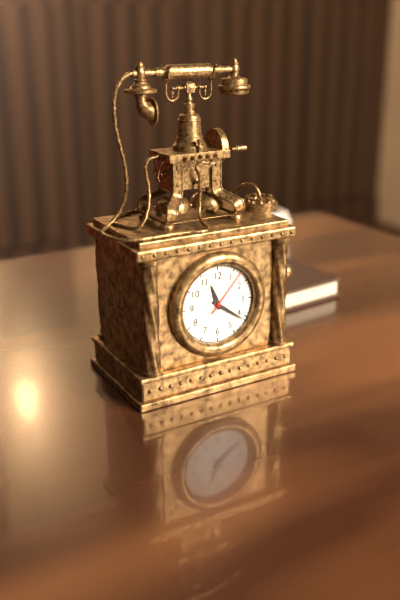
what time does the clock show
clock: 11:21:07
